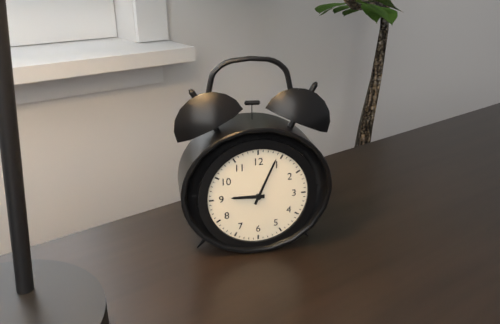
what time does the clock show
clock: 9:04
